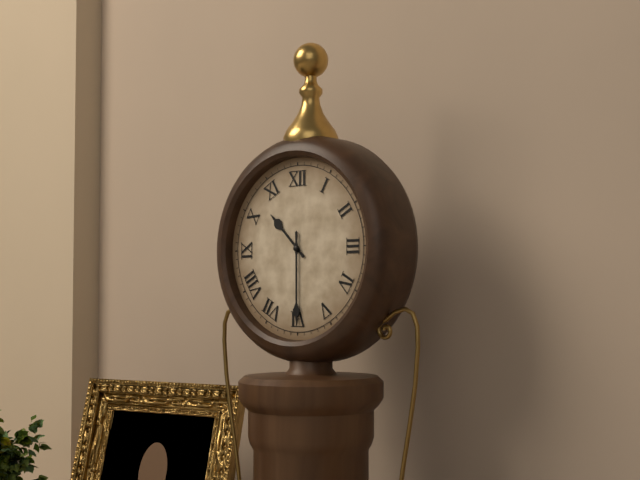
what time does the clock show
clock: 10:30
